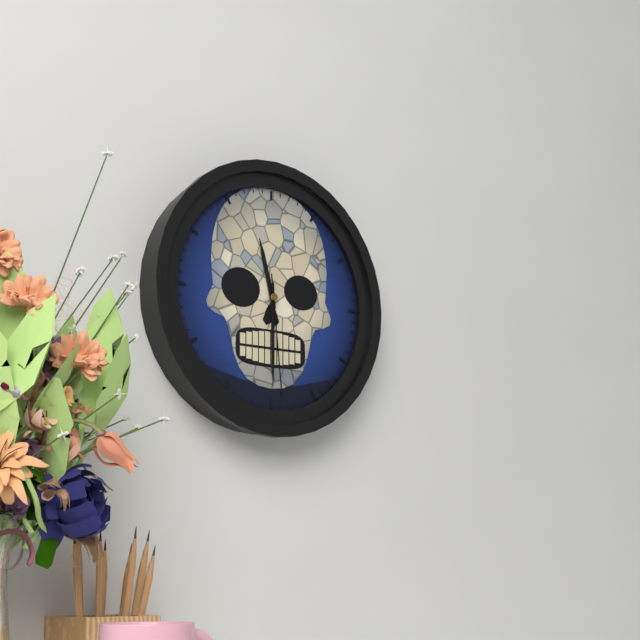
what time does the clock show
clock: 11:30:29
